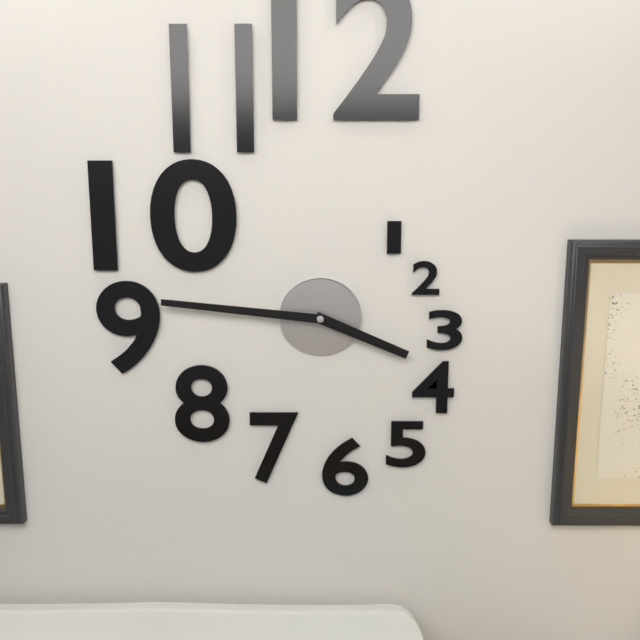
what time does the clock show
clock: 3:46
